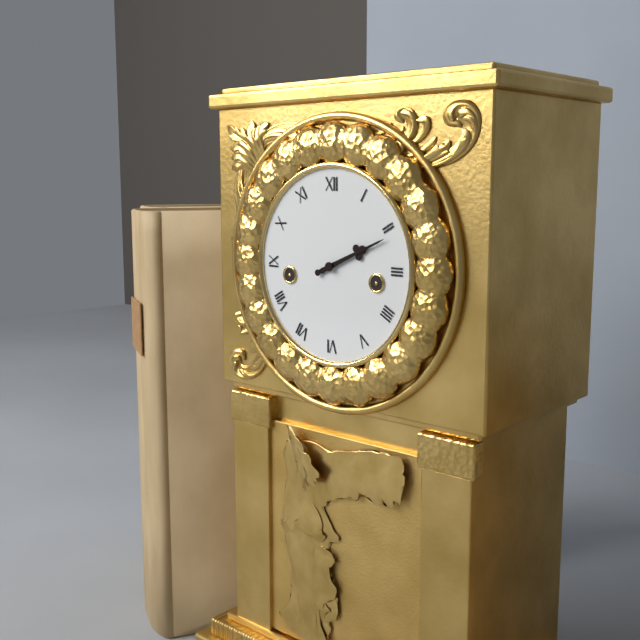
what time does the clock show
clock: 2:11
